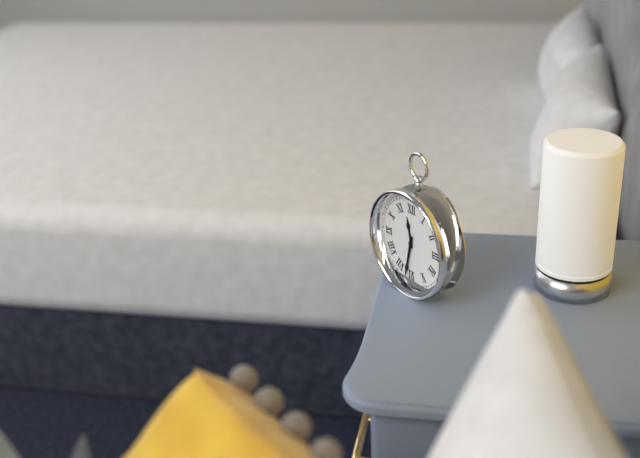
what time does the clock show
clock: 11:32
